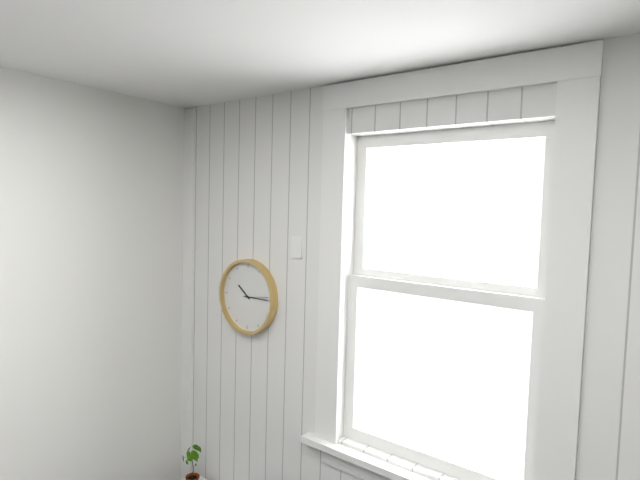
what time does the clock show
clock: 10:15
